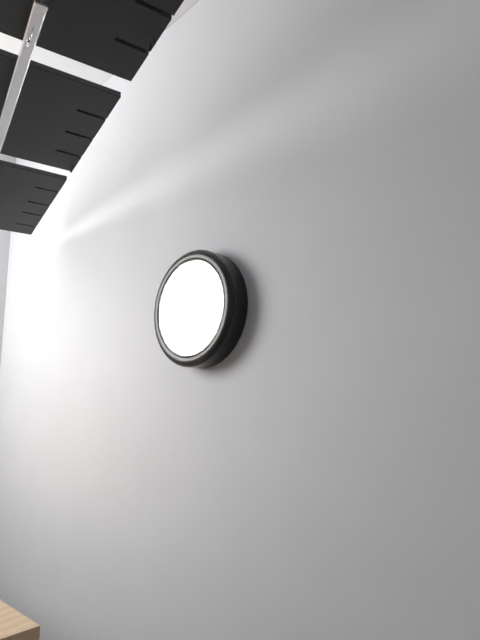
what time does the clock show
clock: 8:26
